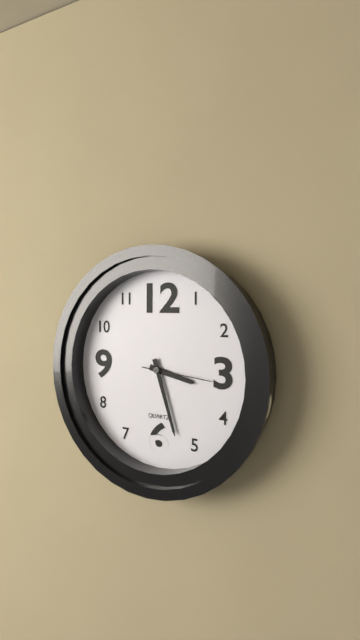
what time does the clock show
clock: 3:27:16
